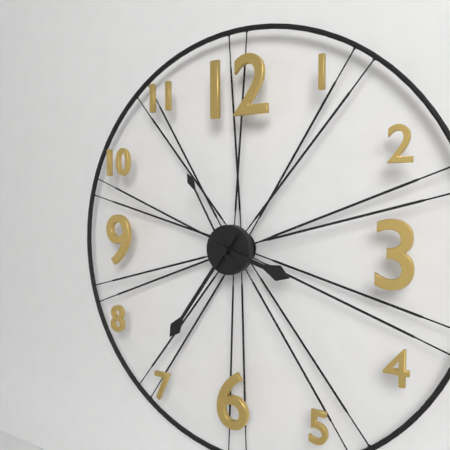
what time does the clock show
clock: 3:36:55
